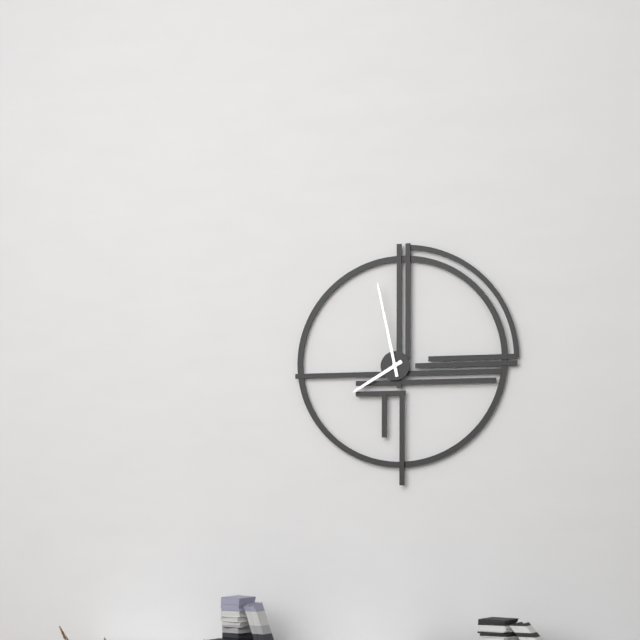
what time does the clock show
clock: 7:58
